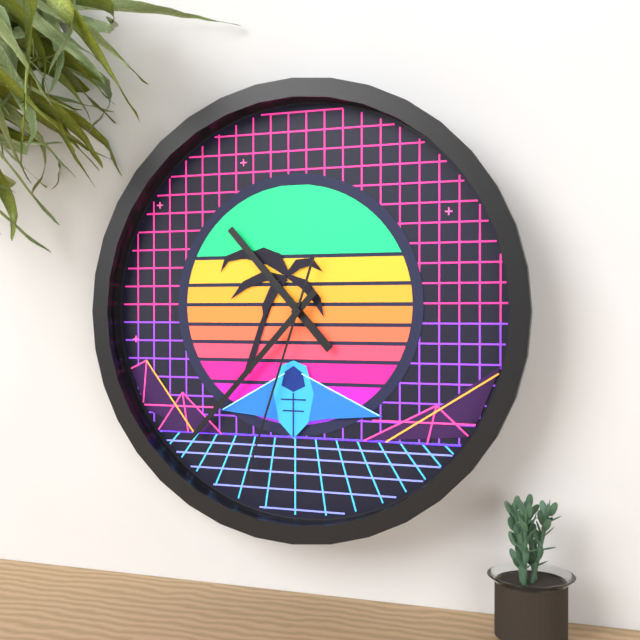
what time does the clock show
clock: 10:37:33
